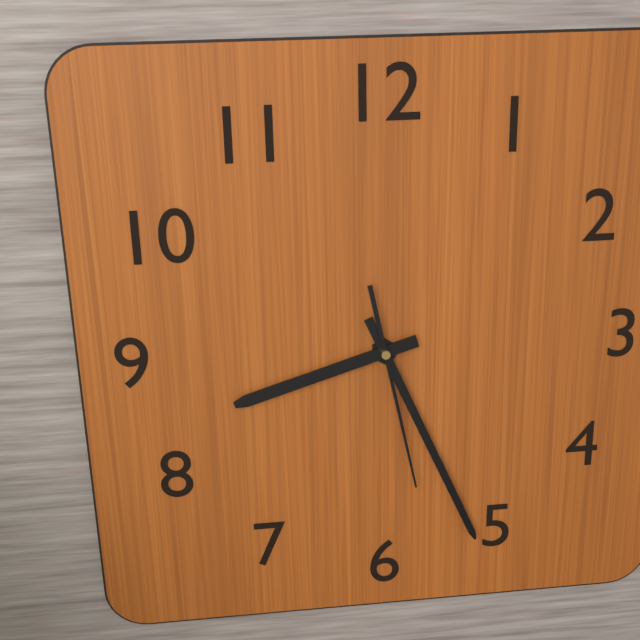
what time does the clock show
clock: 8:26:28
